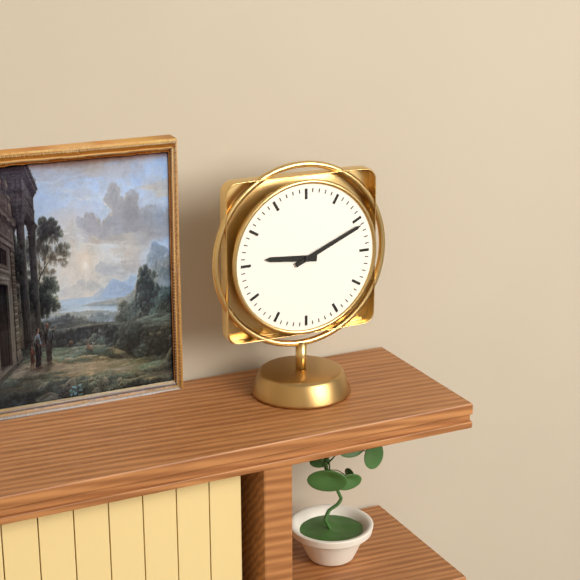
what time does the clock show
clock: 9:11
